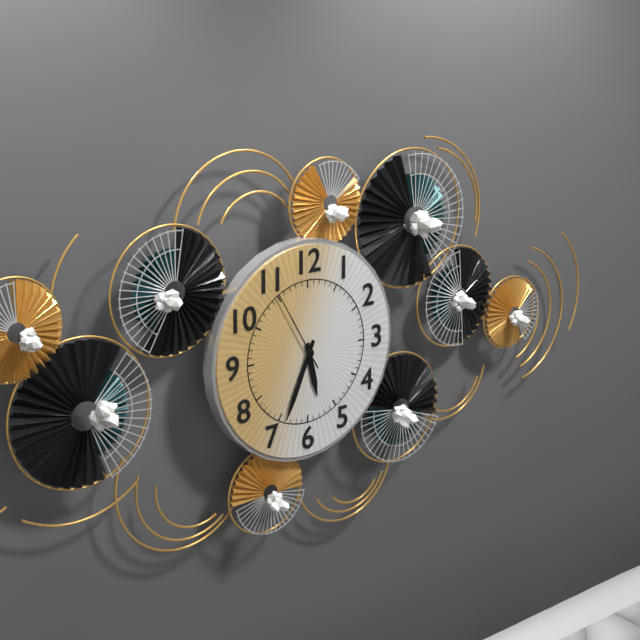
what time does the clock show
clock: 5:34:55
